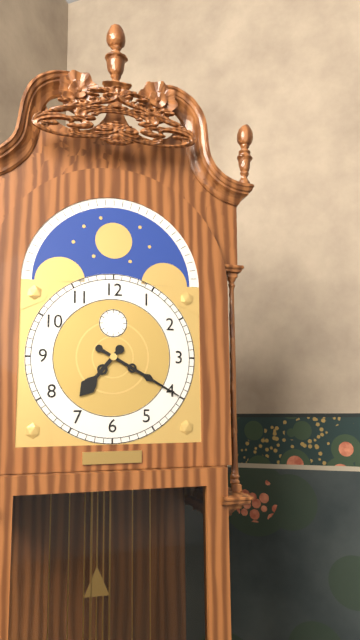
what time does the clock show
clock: 7:20
